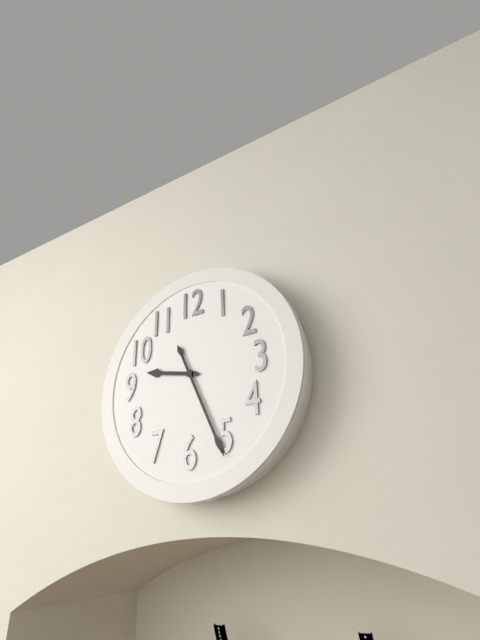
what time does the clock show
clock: 9:26
